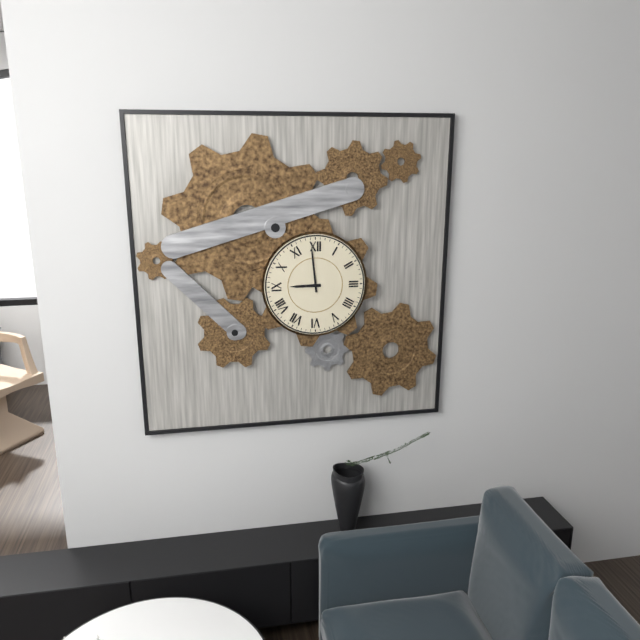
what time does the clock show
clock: 8:59
